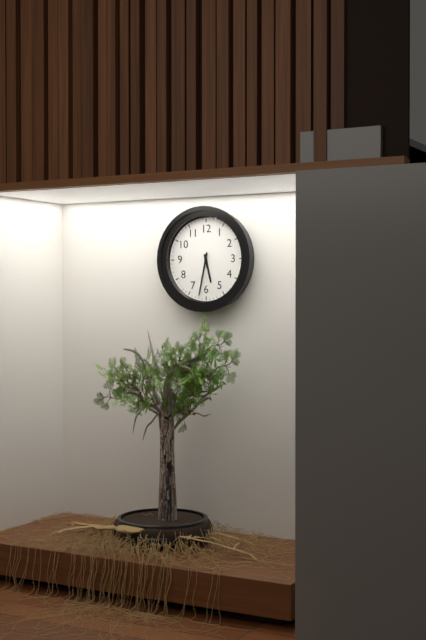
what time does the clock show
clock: 5:32
